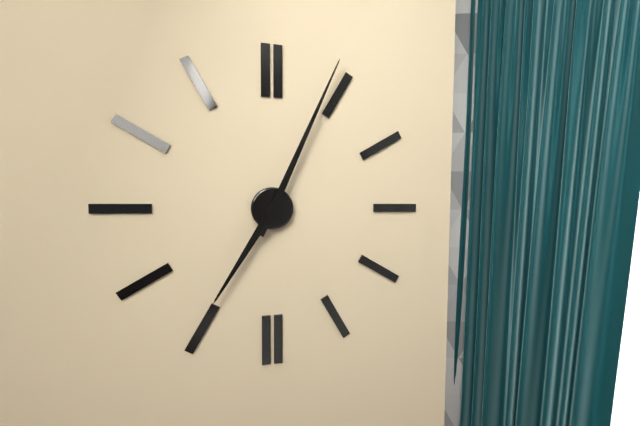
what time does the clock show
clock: 7:04
